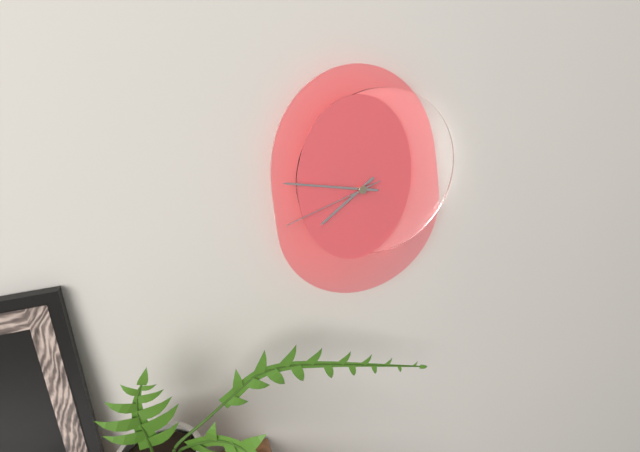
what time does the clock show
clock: 7:47:42
